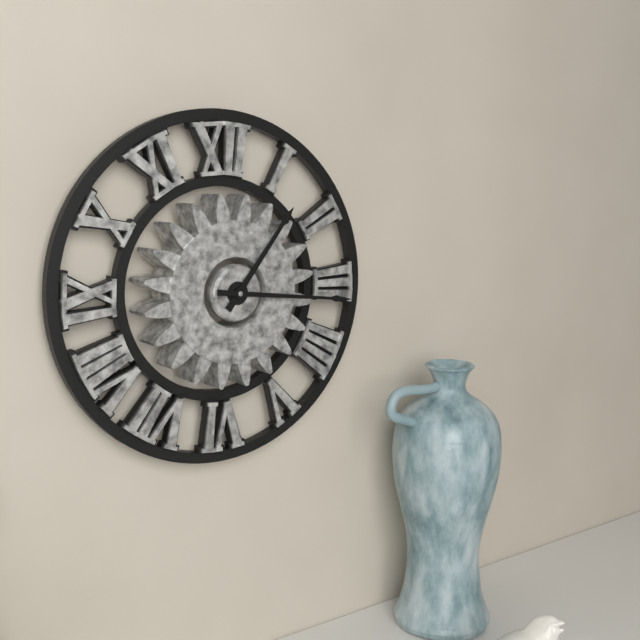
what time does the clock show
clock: 1:16
